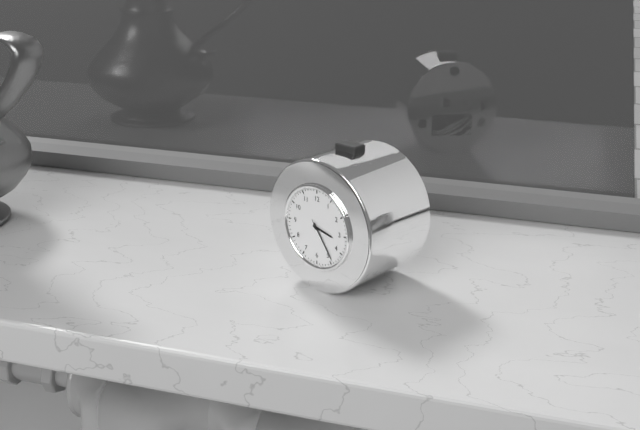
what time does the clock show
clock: 3:24
